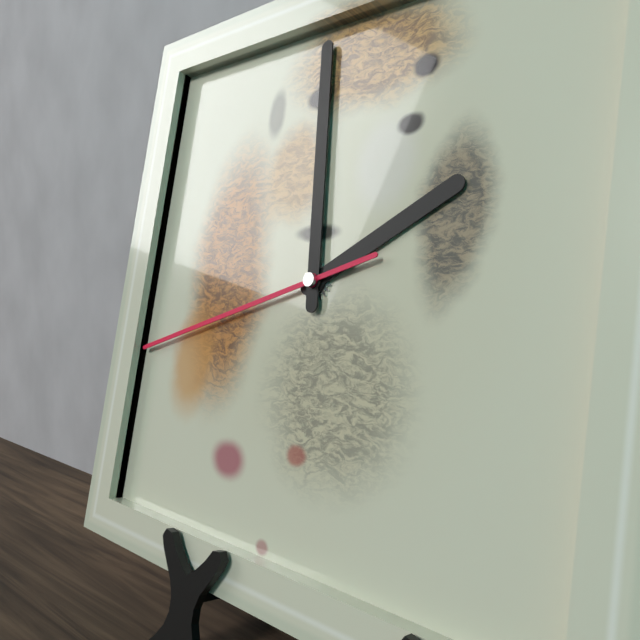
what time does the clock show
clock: 1:59:42
